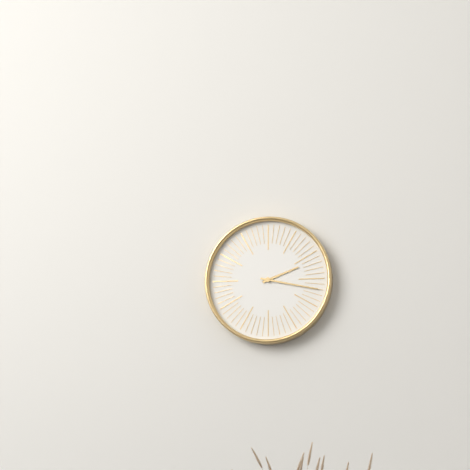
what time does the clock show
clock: 2:17
